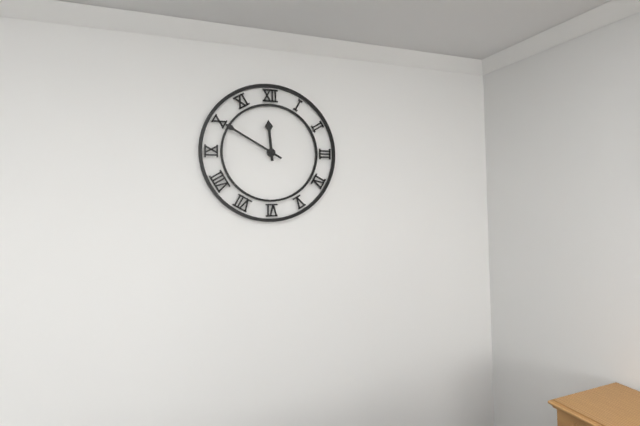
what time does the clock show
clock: 11:50
